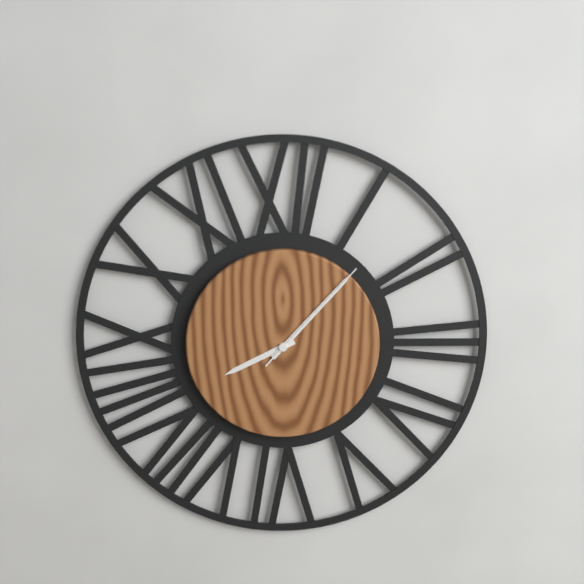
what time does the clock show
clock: 8:07:07
